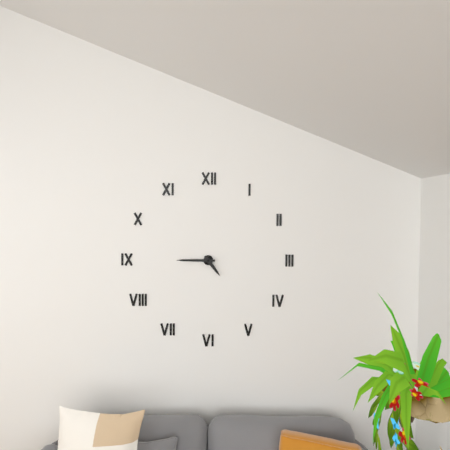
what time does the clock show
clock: 4:45
